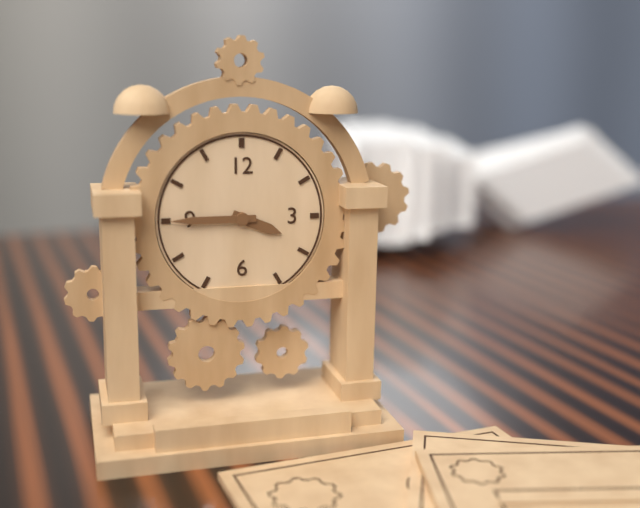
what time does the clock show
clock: 3:45
